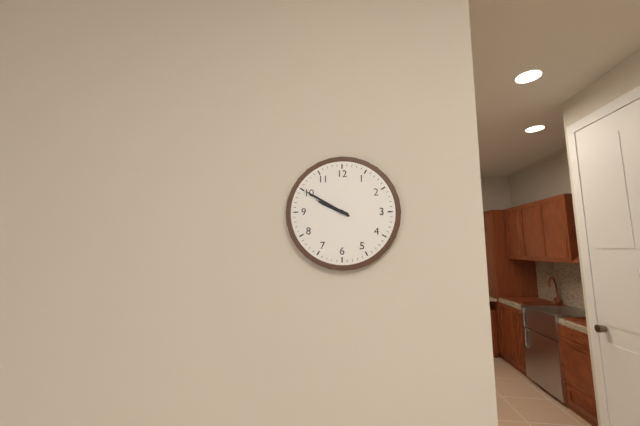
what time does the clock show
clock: 9:50
